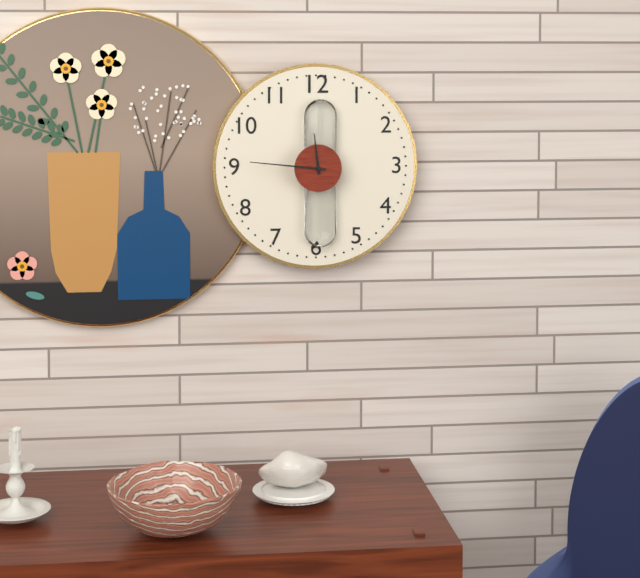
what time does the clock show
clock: 11:46
